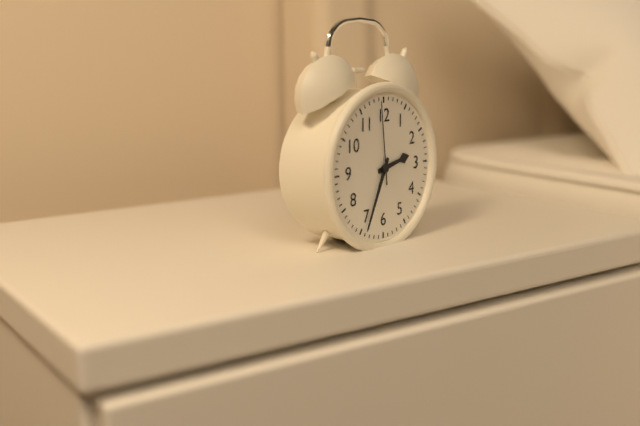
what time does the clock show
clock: 2:34:59
